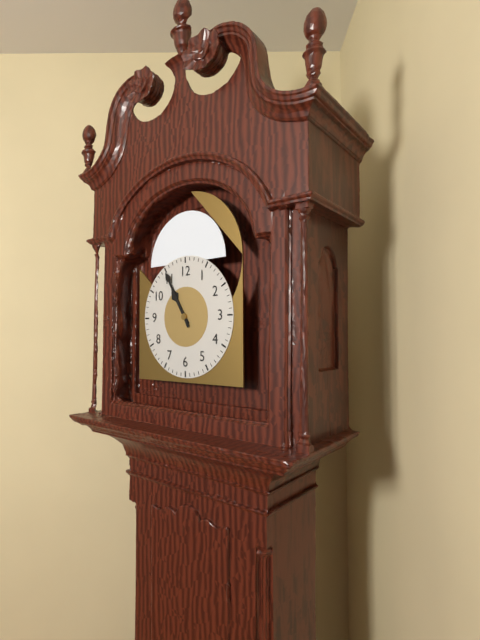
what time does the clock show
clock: 10:55
